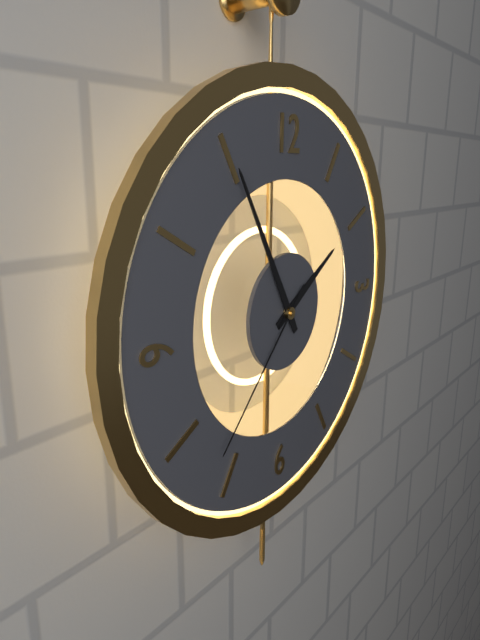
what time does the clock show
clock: 1:55:37
